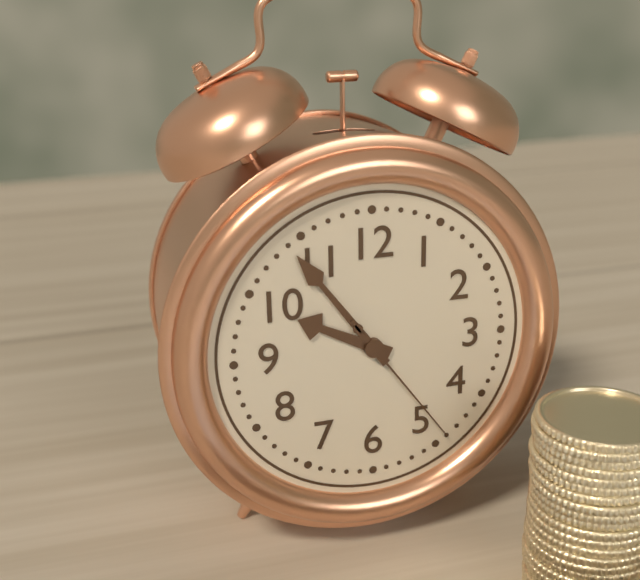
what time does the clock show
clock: 9:54:24
